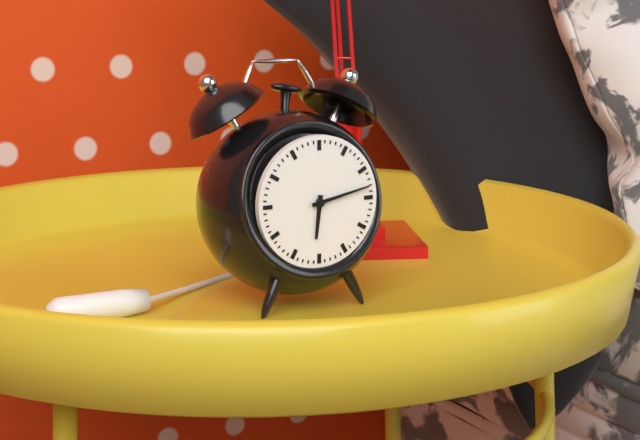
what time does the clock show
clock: 6:13
